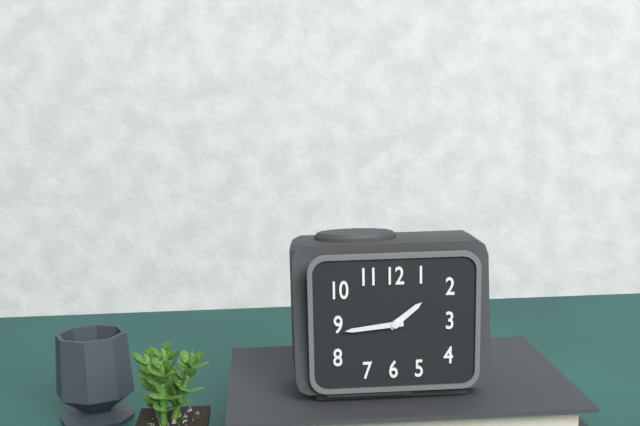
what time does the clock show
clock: 1:44
